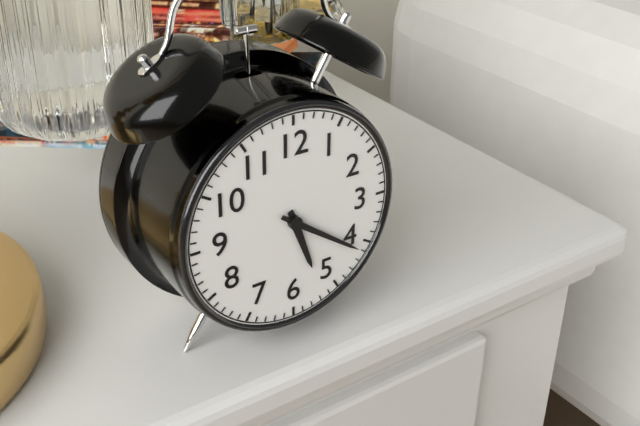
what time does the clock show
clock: 5:21
